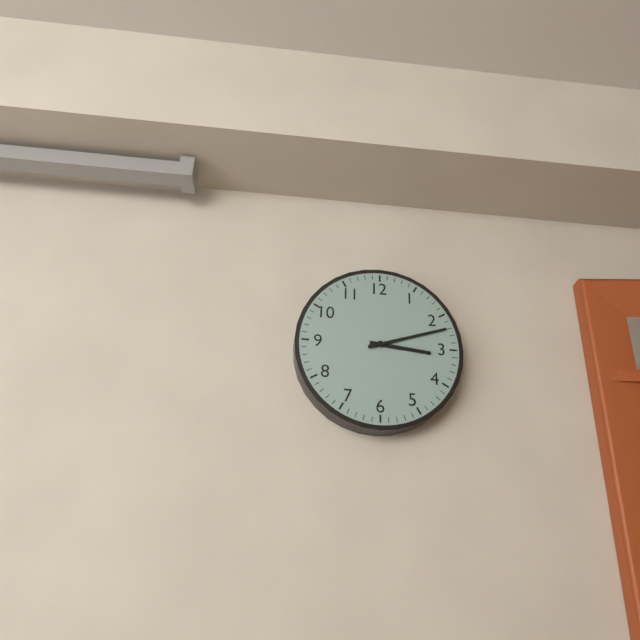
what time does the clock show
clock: 3:12
